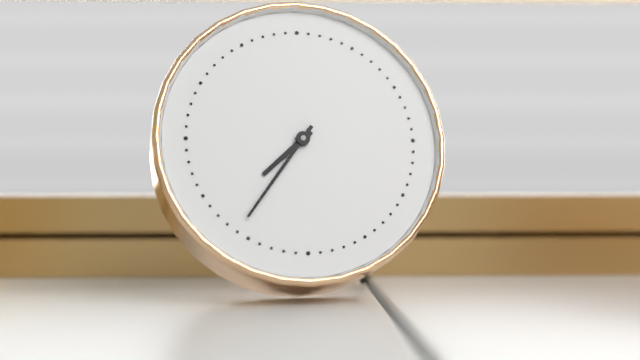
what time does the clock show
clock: 7:36
